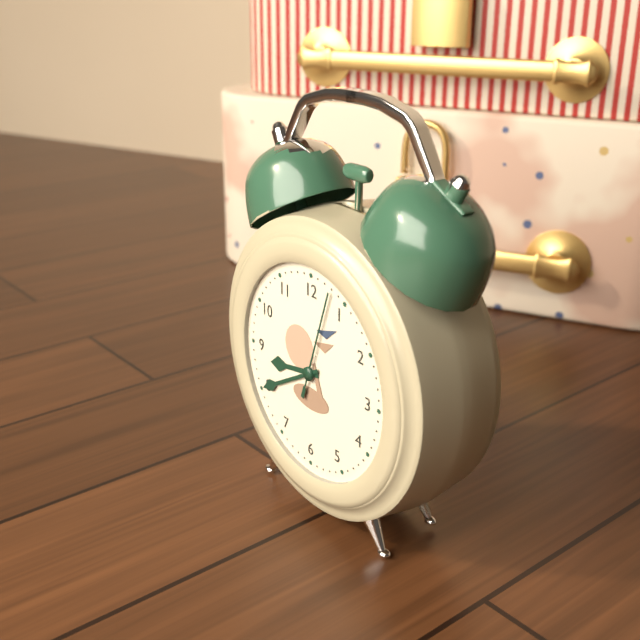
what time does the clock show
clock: 8:40:03
